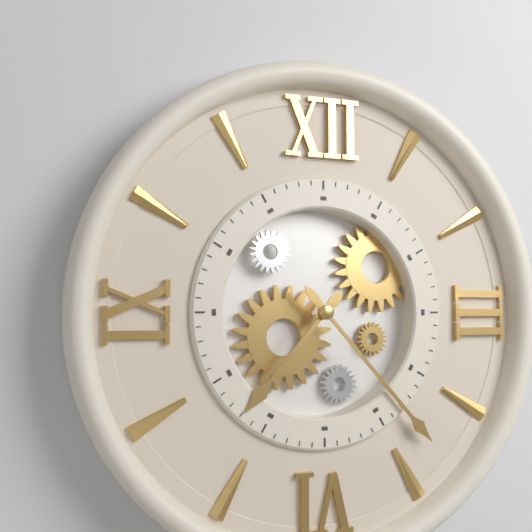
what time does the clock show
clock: 7:23
